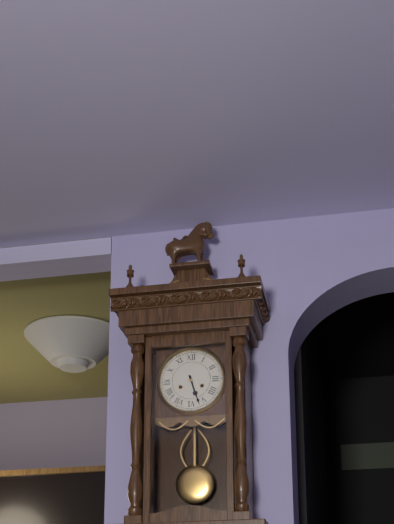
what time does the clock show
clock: 5:27
